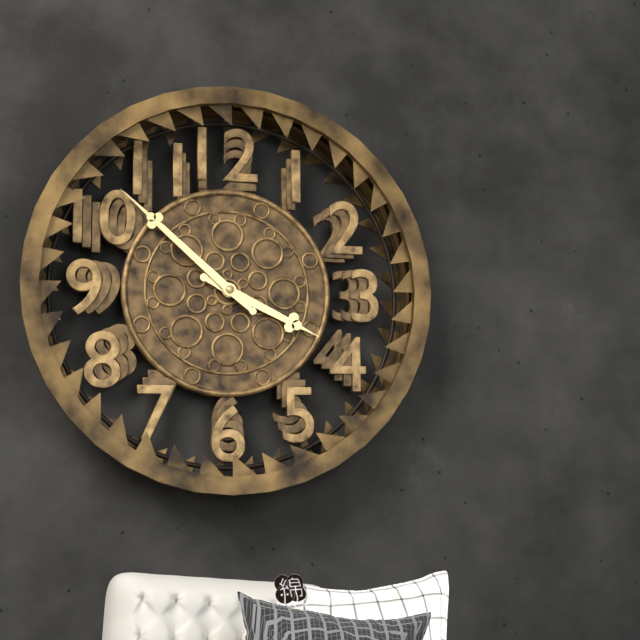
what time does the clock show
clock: 3:52
